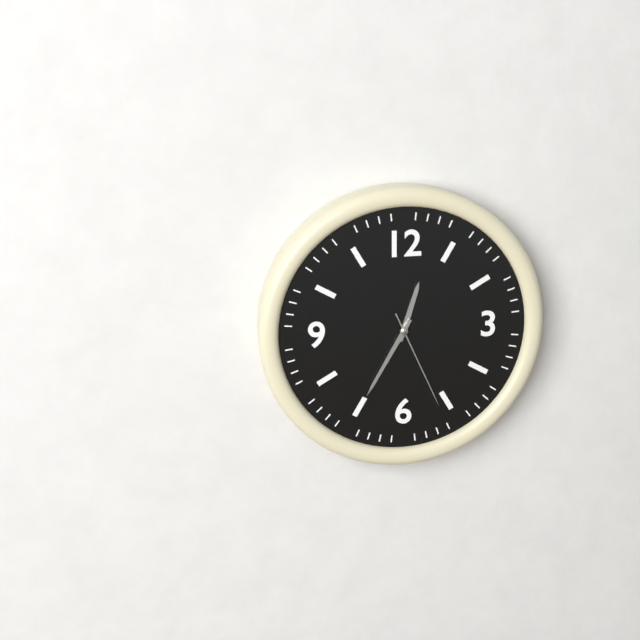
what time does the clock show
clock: 12:35:26
